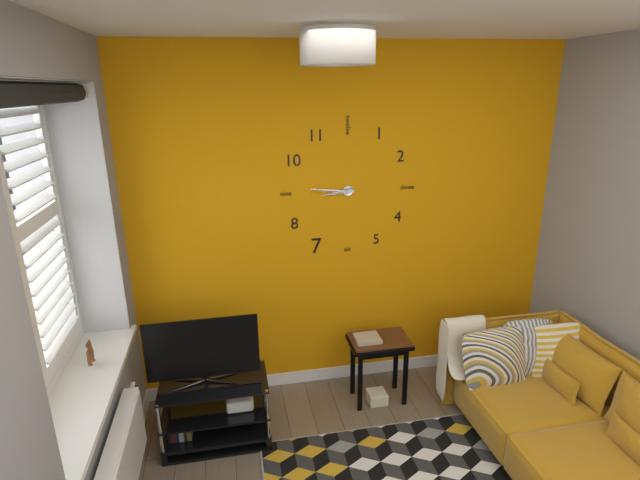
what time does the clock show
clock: 8:46
